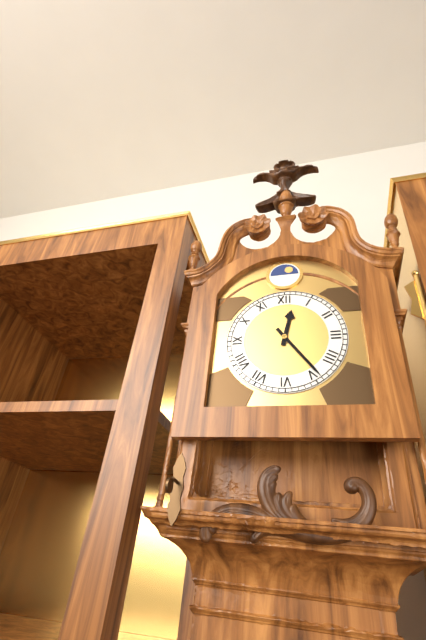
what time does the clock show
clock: 12:24
